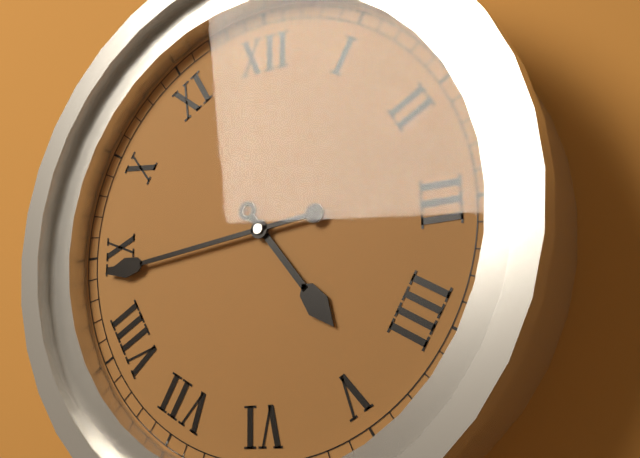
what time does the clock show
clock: 4:44
